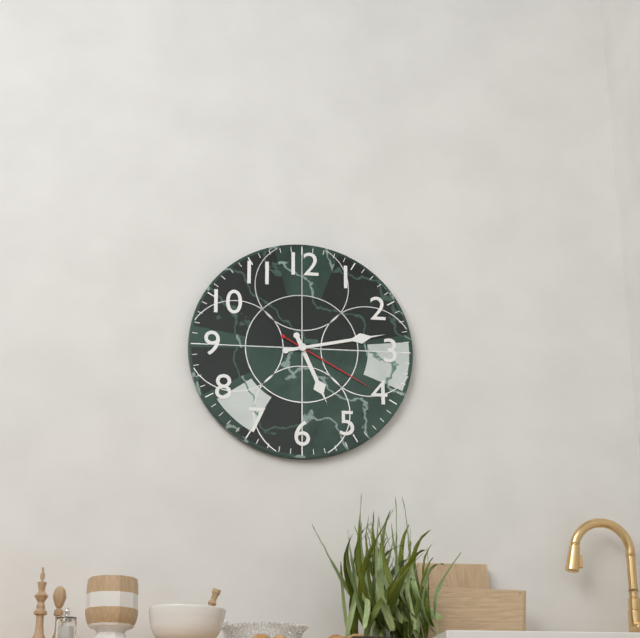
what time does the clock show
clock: 5:13:20
